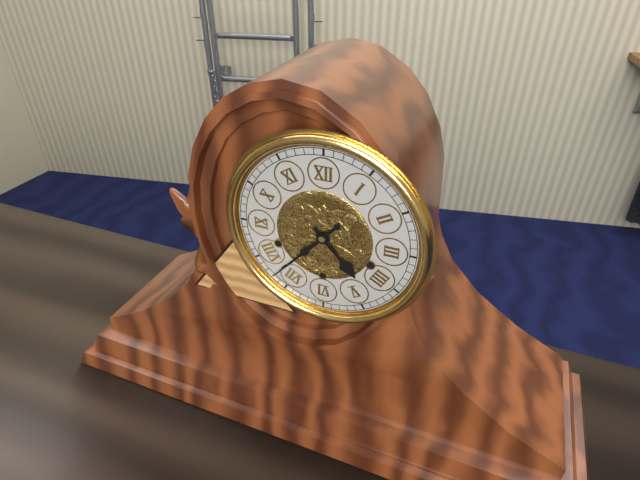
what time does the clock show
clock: 4:37
